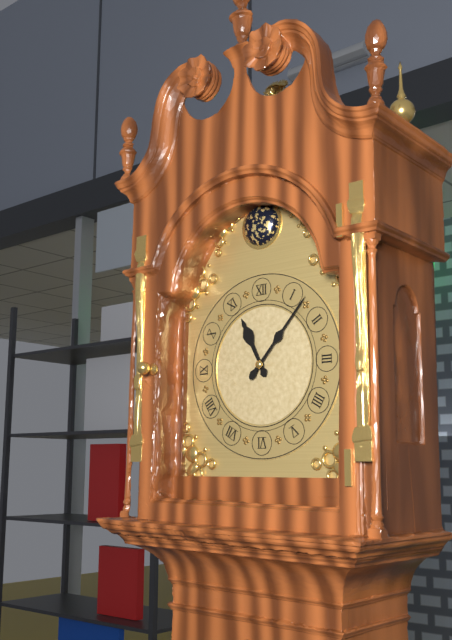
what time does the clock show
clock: 11:07
